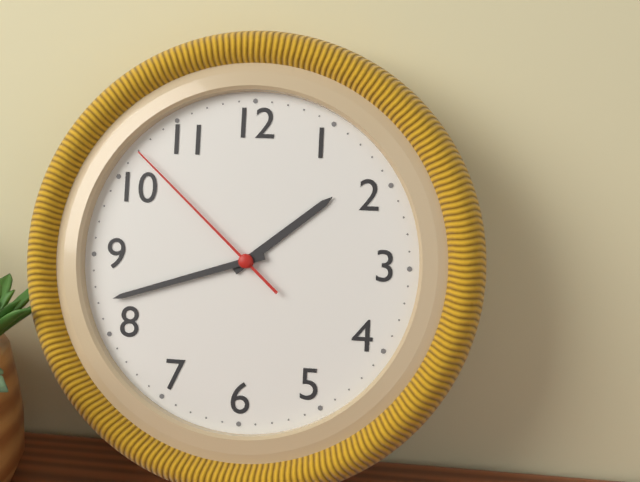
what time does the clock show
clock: 1:42:52
